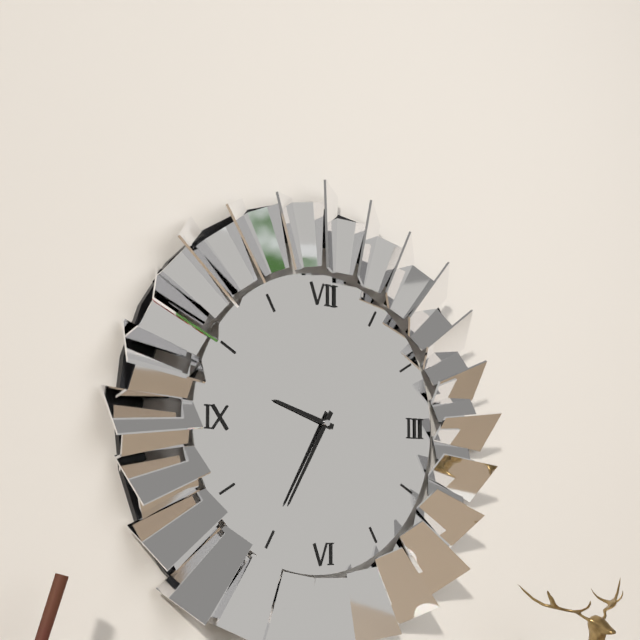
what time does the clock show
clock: 9:35
